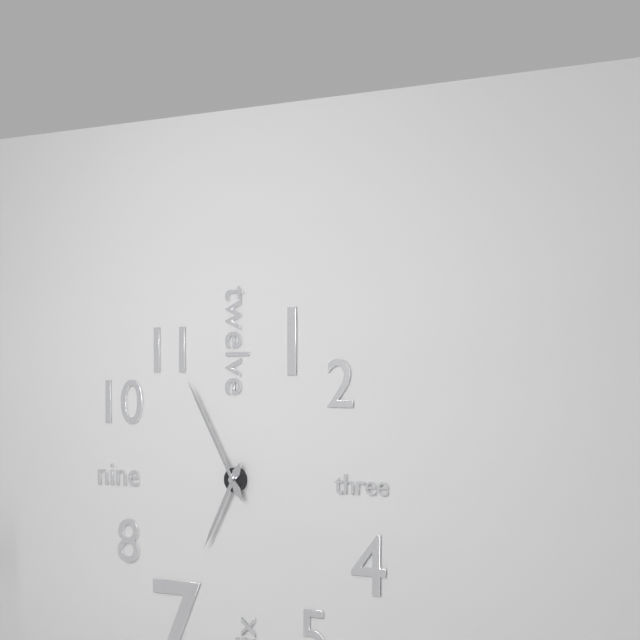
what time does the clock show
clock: 6:55
